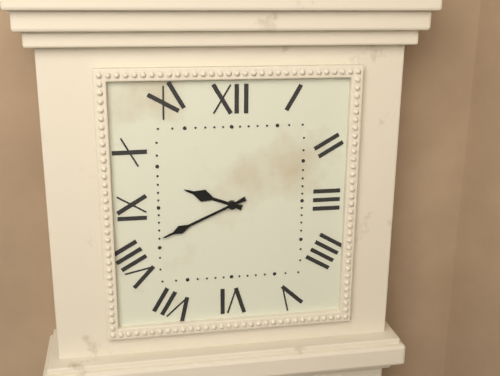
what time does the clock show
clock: 9:41
